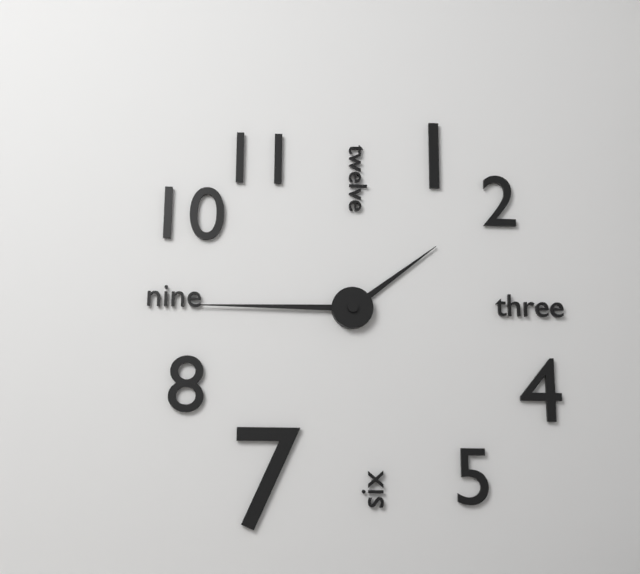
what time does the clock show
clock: 1:45
